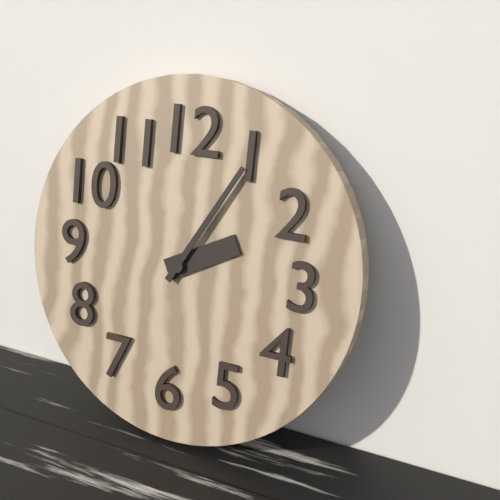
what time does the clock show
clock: 2:05
